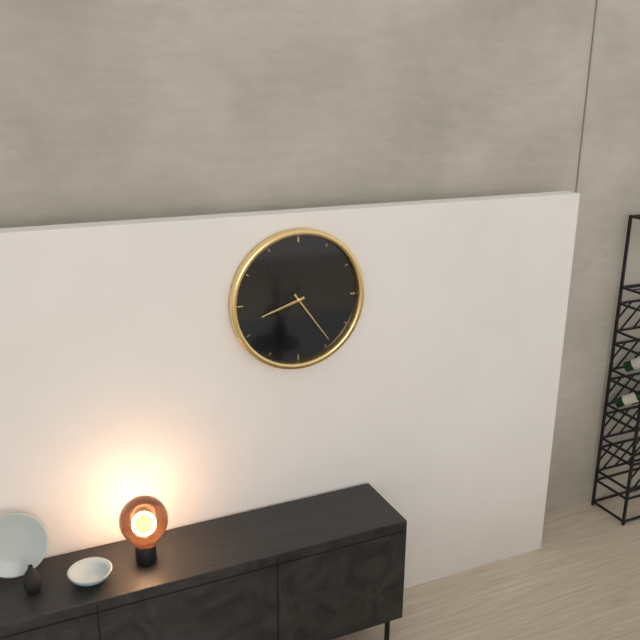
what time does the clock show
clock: 8:24
